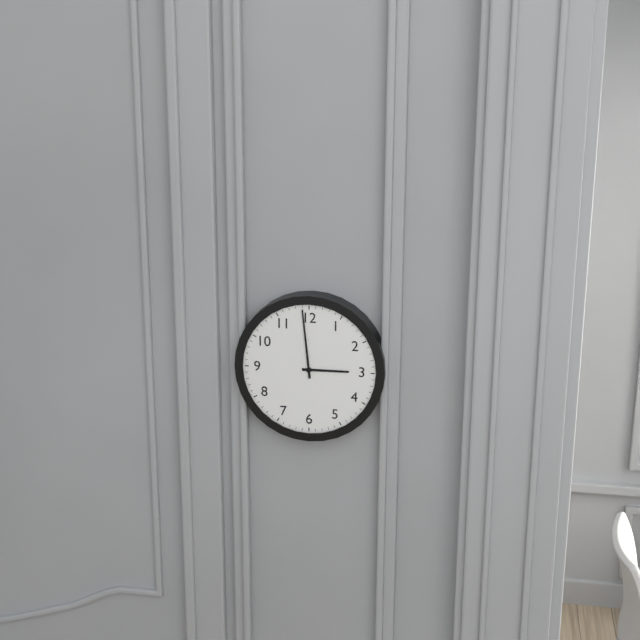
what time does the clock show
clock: 2:59
